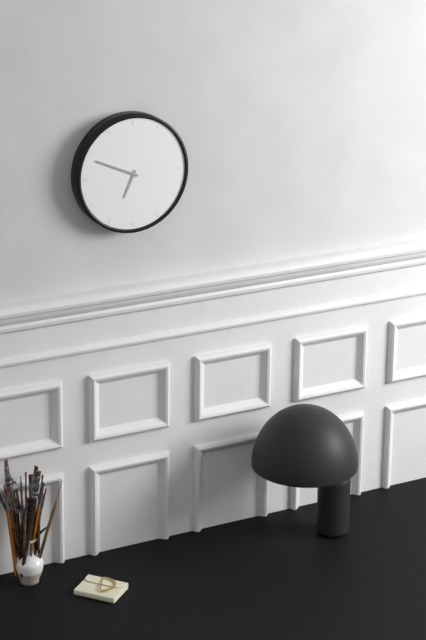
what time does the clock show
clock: 6:49
